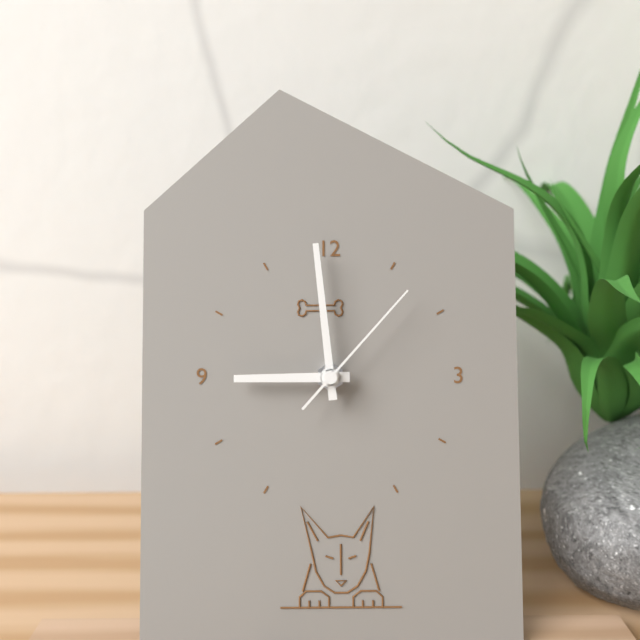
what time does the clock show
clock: 8:59:07
